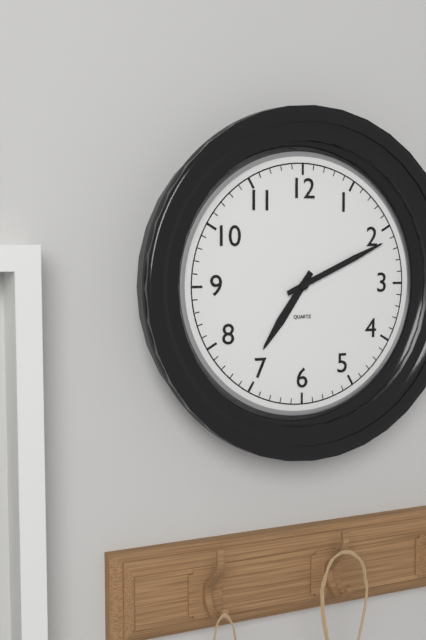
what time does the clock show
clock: 7:11
